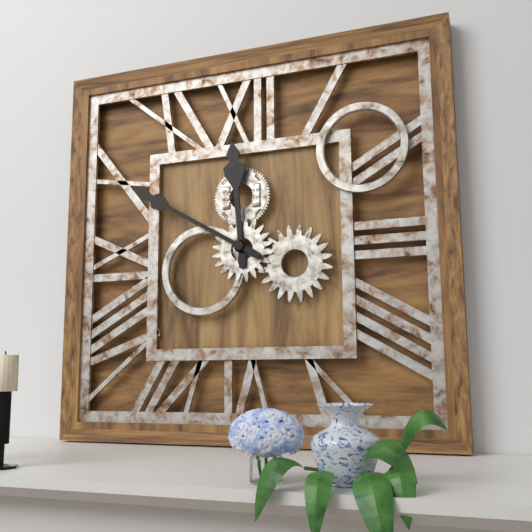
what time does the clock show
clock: 11:50
